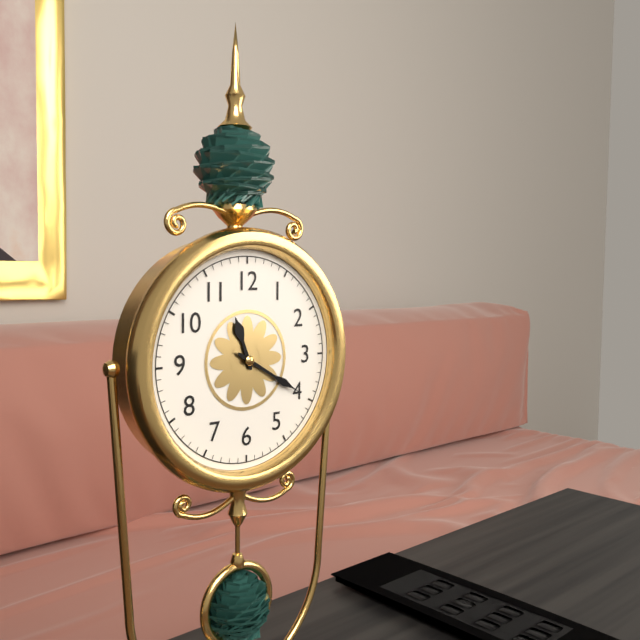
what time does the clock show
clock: 11:20
